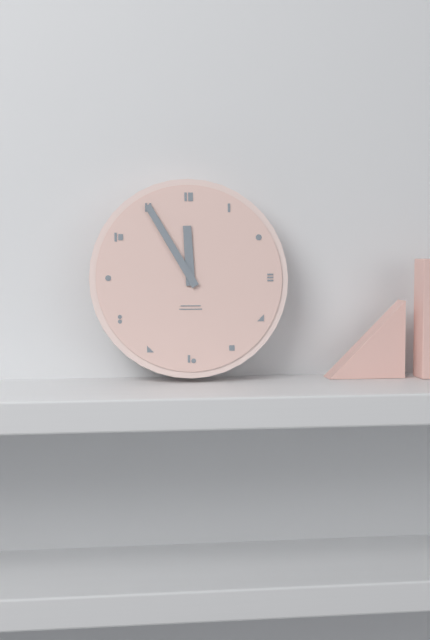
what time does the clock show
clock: 11:55
